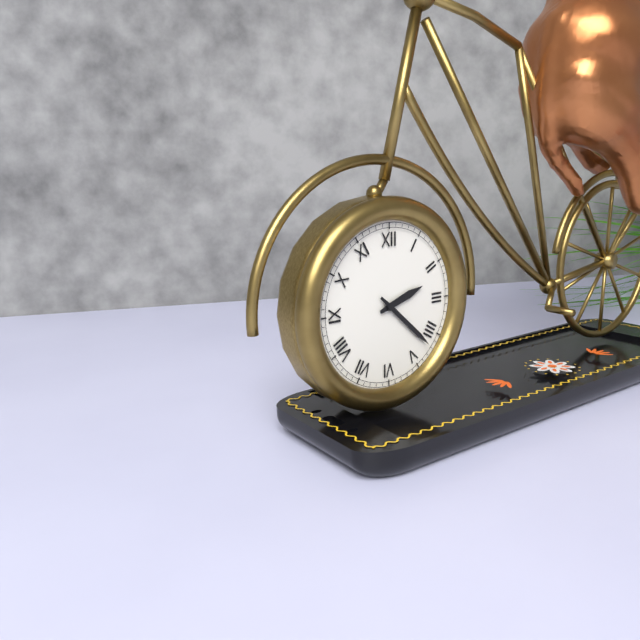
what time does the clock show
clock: 2:22
